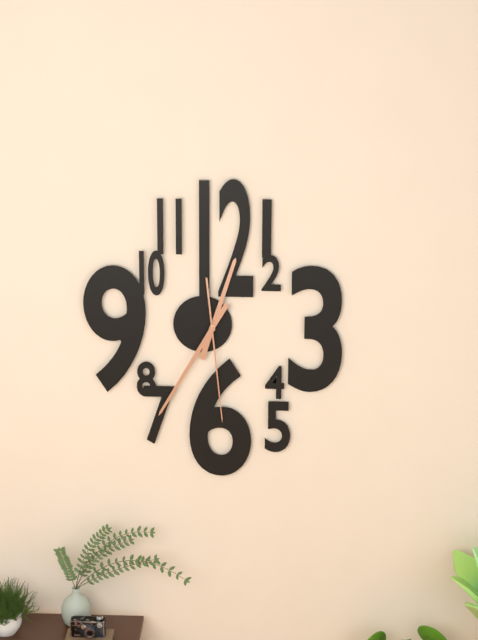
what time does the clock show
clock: 12:35:29
